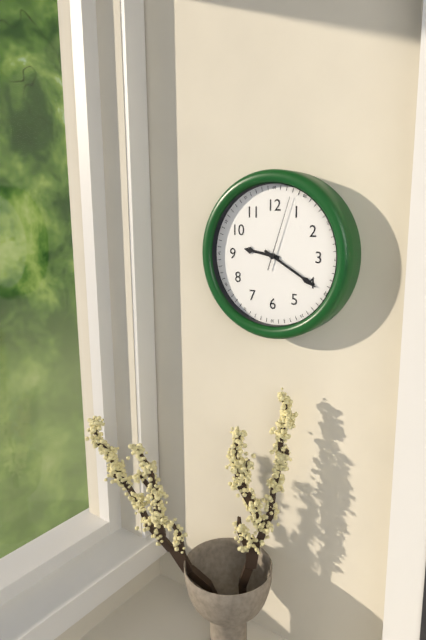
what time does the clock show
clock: 9:20:03
